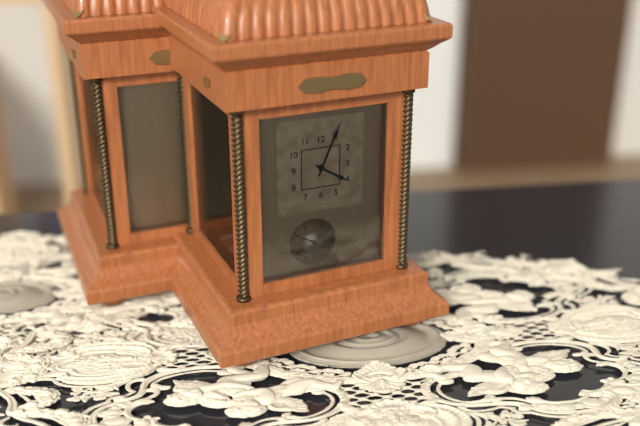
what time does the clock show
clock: 4:04
